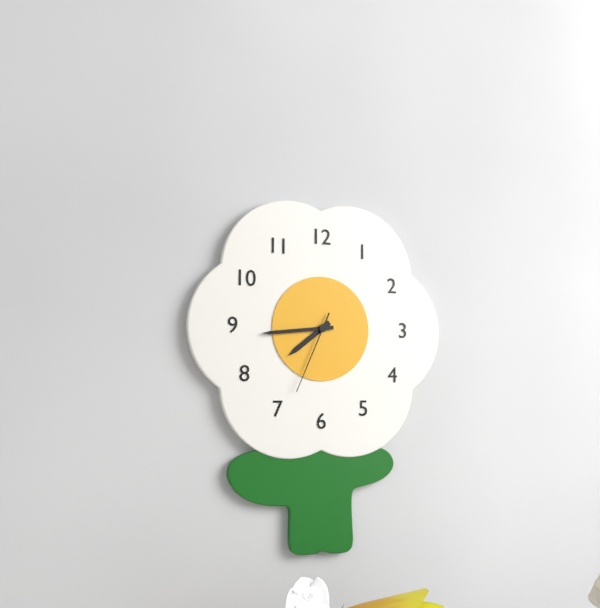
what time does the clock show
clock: 7:44:34
